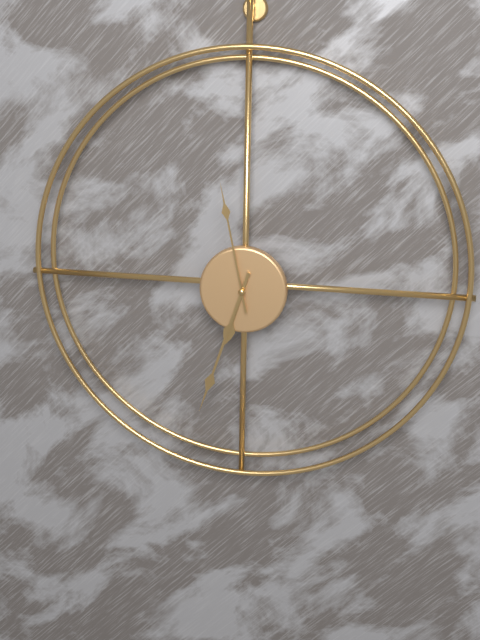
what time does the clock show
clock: 6:33:58
